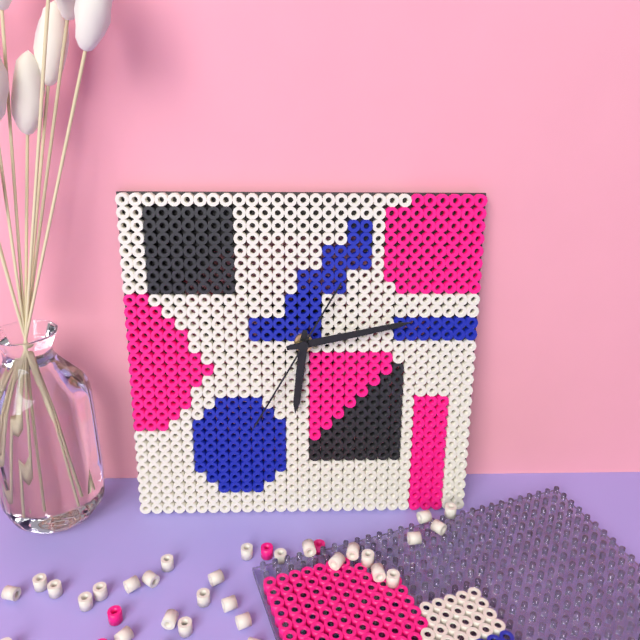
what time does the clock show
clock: 6:13:35
